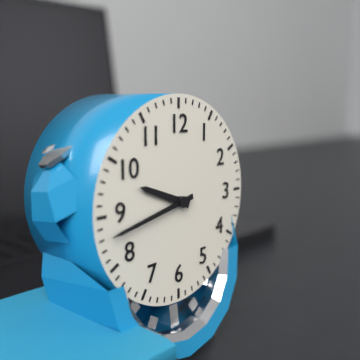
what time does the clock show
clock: 9:43
